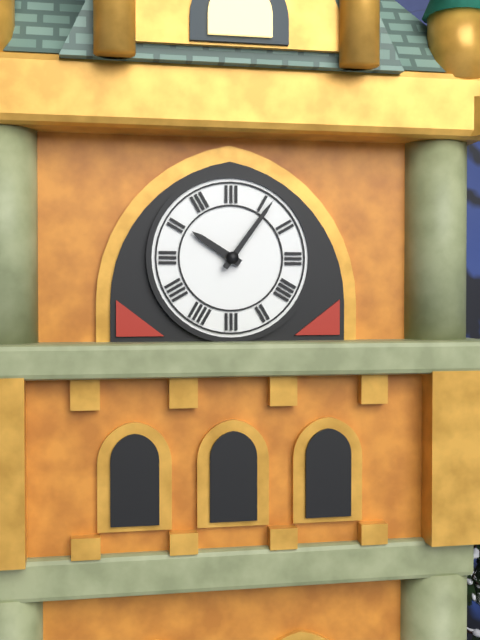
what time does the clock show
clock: 10:06
